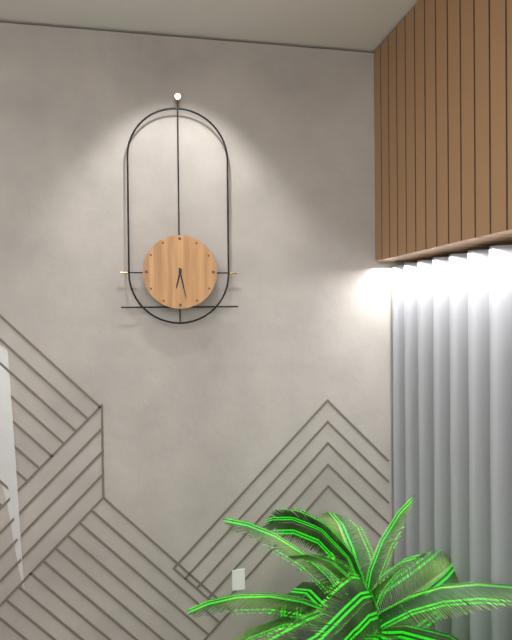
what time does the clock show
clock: 6:28
